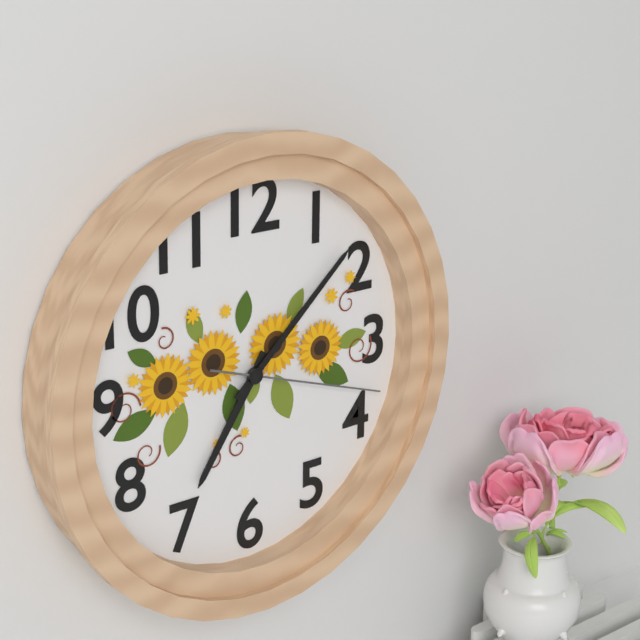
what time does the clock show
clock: 7:08:18
